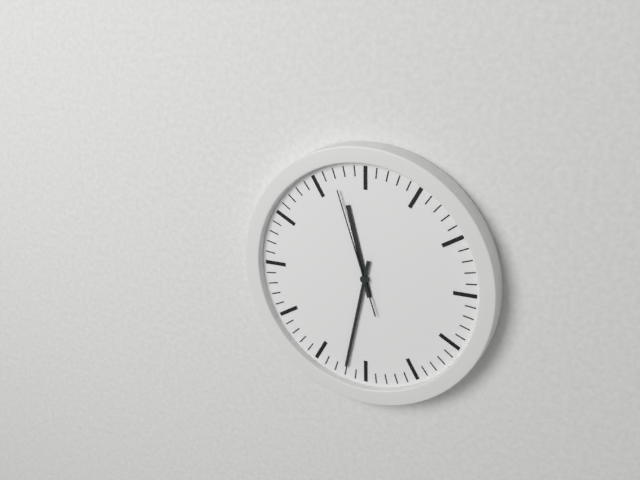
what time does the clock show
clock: 11:32:57
